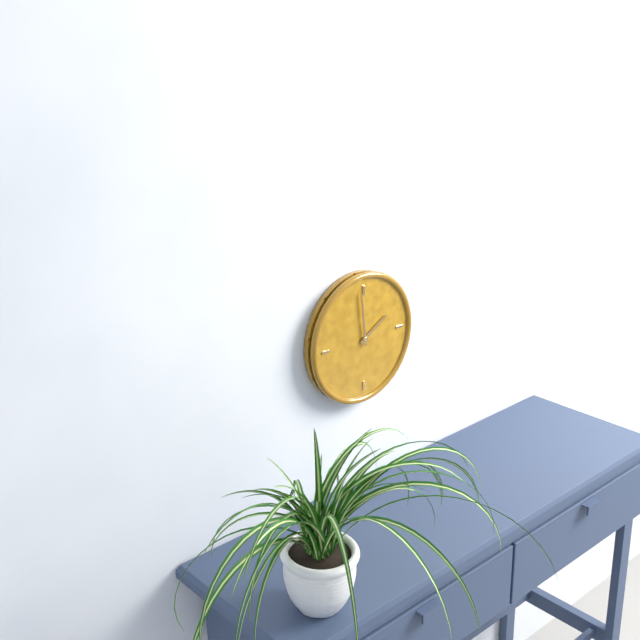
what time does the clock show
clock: 1:59
